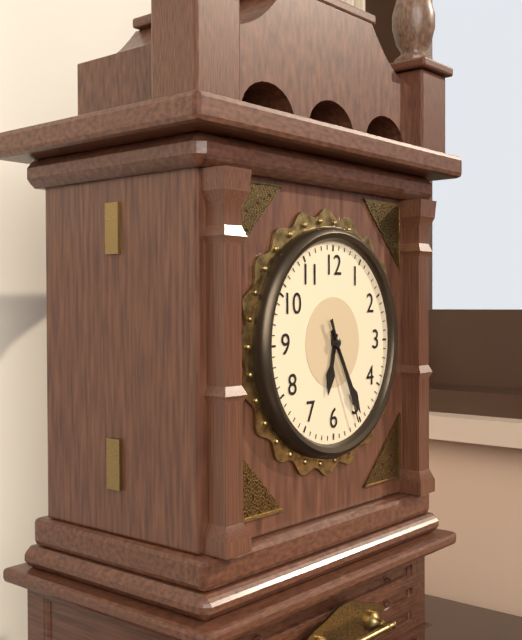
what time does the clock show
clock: 6:25:26
